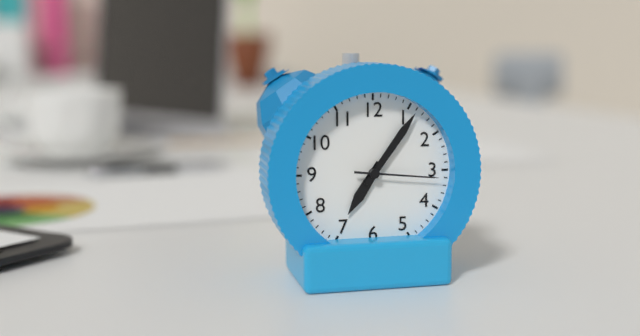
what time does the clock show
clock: 7:06:16
